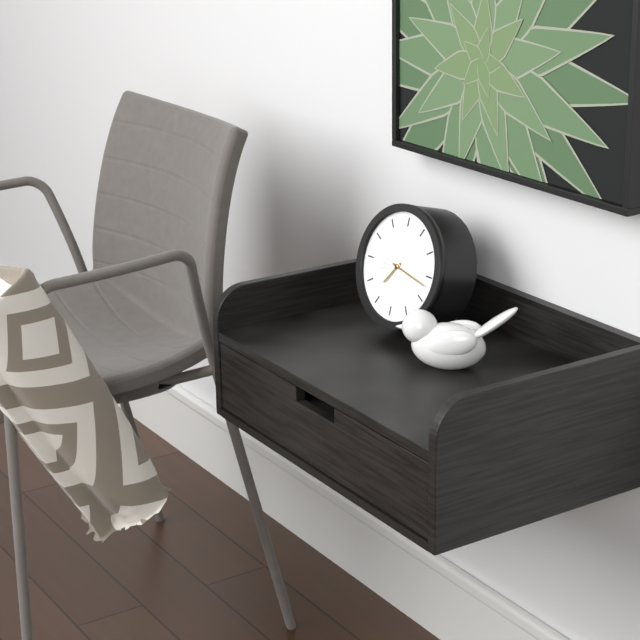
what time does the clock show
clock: 7:17
